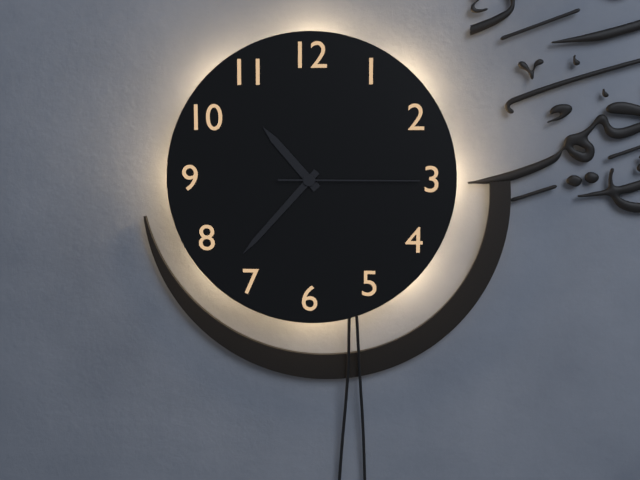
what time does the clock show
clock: 10:37:15
